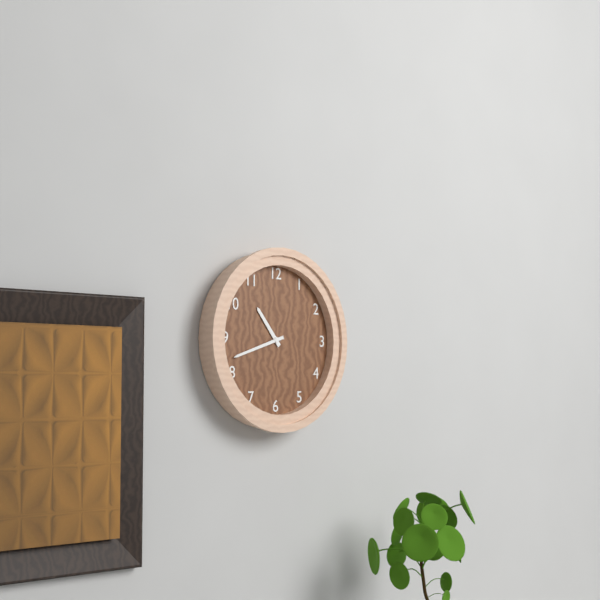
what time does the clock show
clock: 10:42
